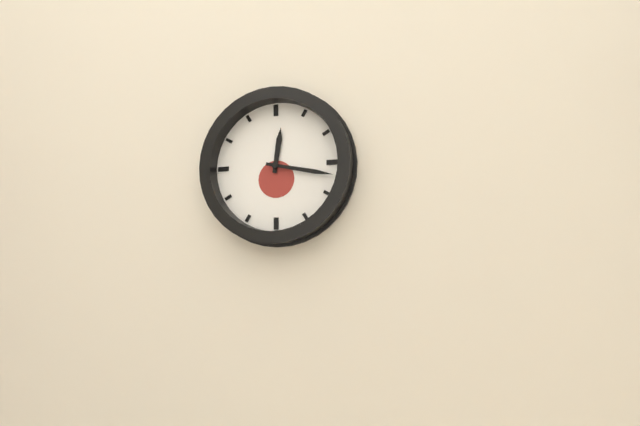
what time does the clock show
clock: 12:17
